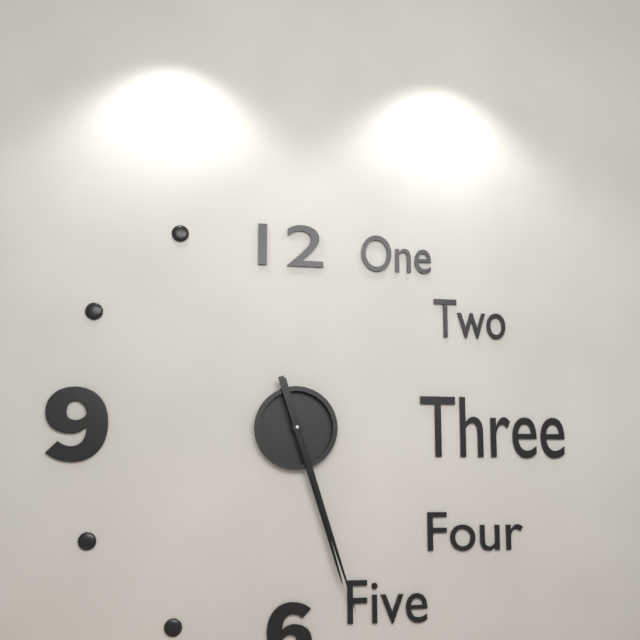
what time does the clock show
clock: 5:27
